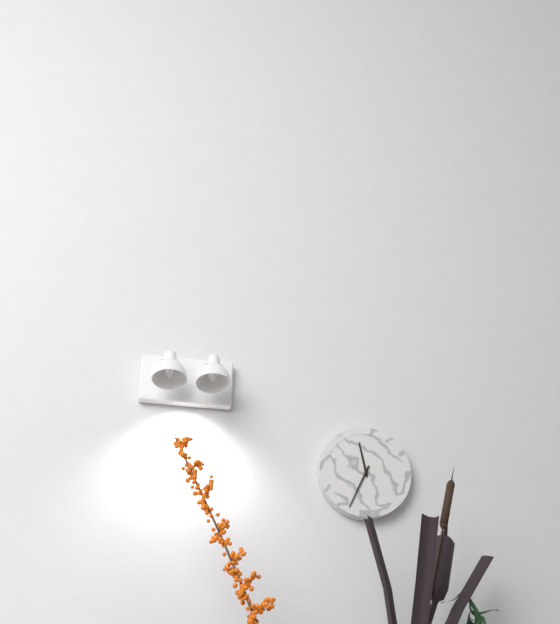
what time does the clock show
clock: 11:34
